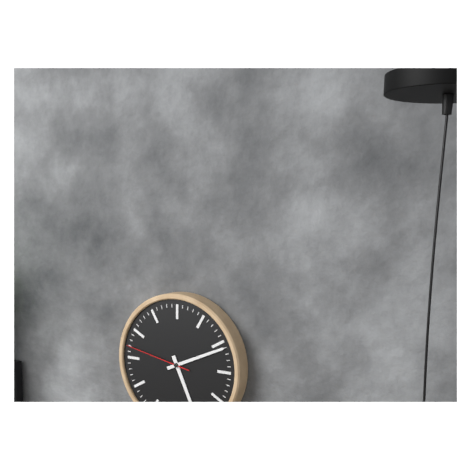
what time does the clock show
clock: 5:11:47
